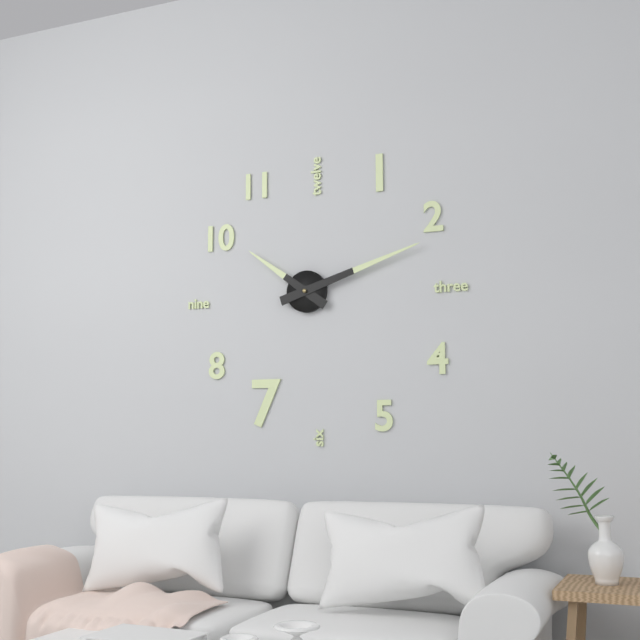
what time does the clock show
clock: 10:12
